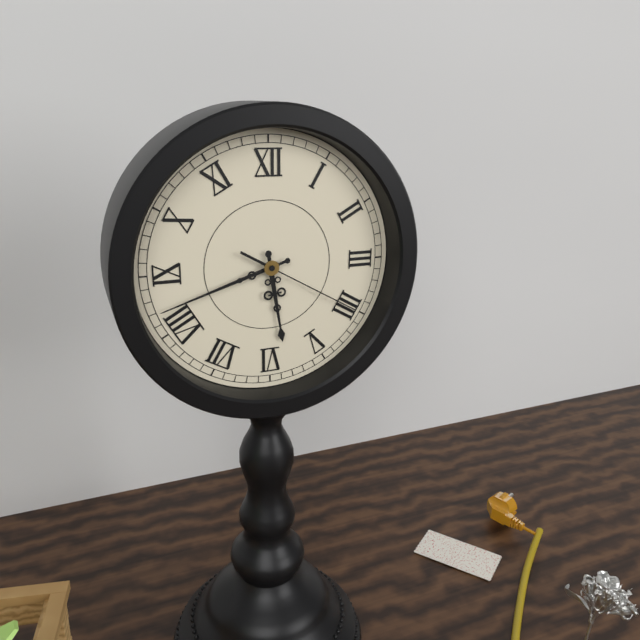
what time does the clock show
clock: 5:42:20
